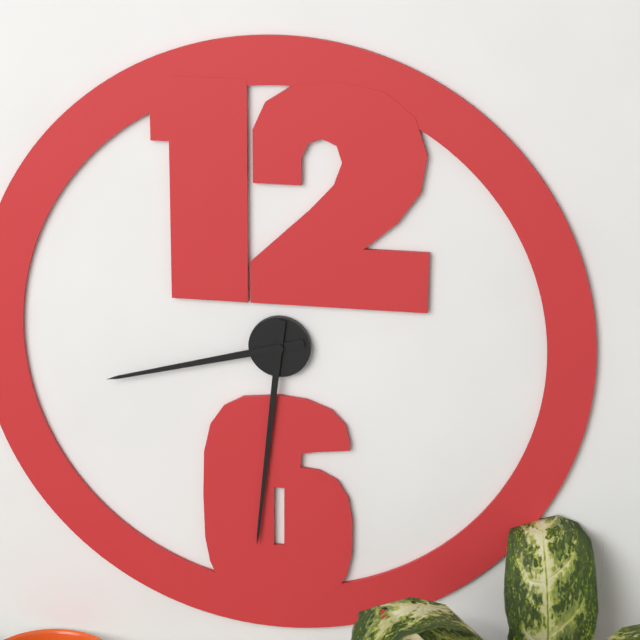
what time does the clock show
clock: 8:31
